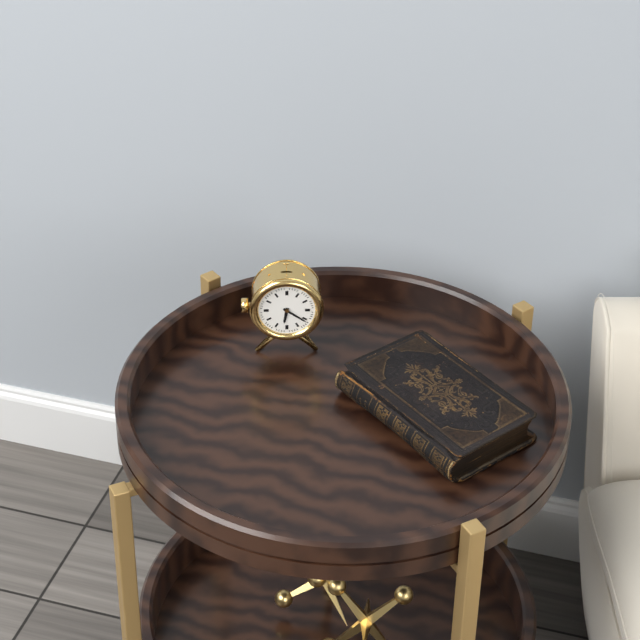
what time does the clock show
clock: 6:21
